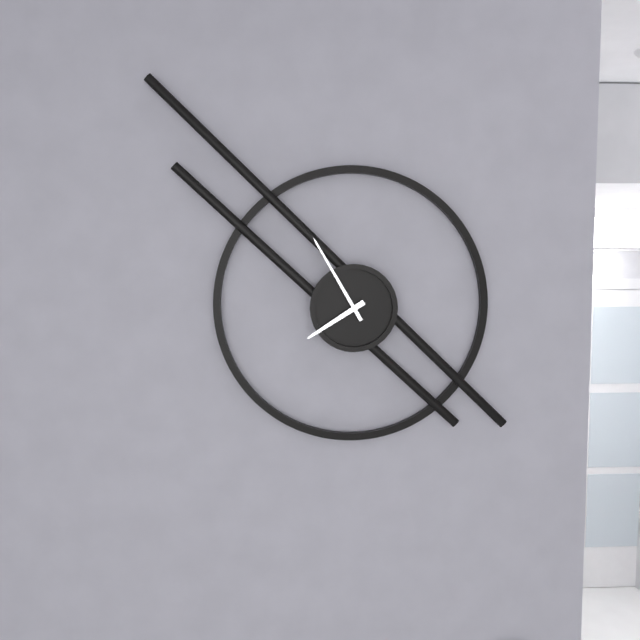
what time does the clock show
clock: 7:55
